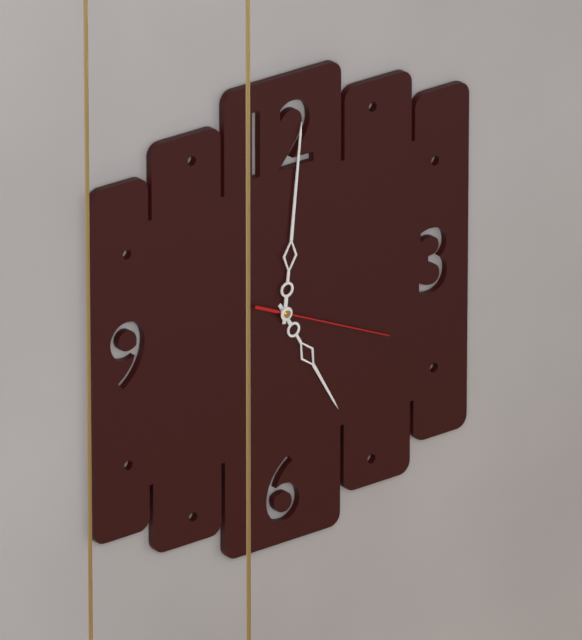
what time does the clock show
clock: 5:01:19
